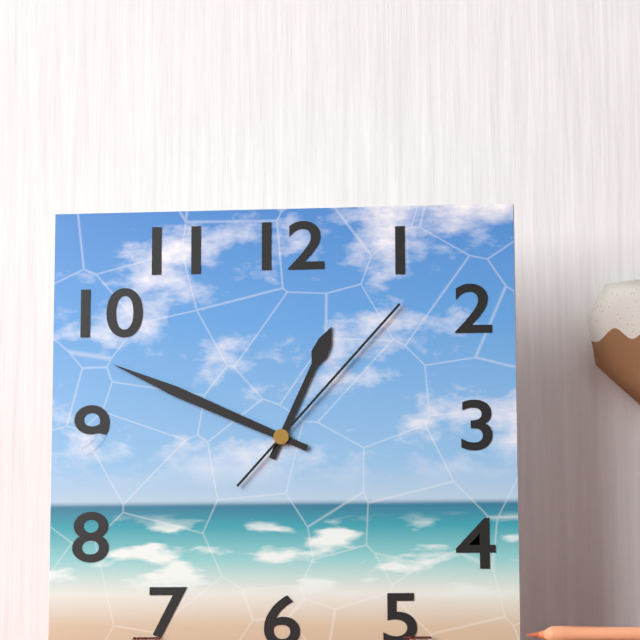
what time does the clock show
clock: 12:49:07
